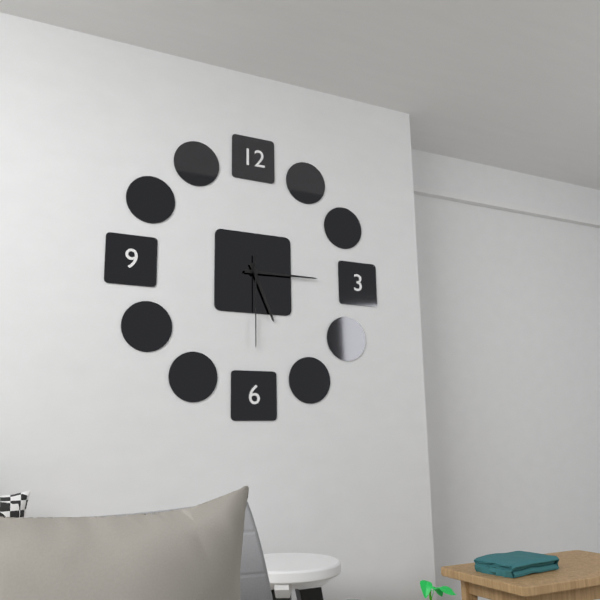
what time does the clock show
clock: 5:15:30
